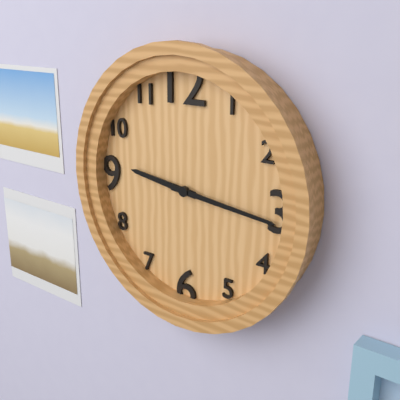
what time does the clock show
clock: 9:16
